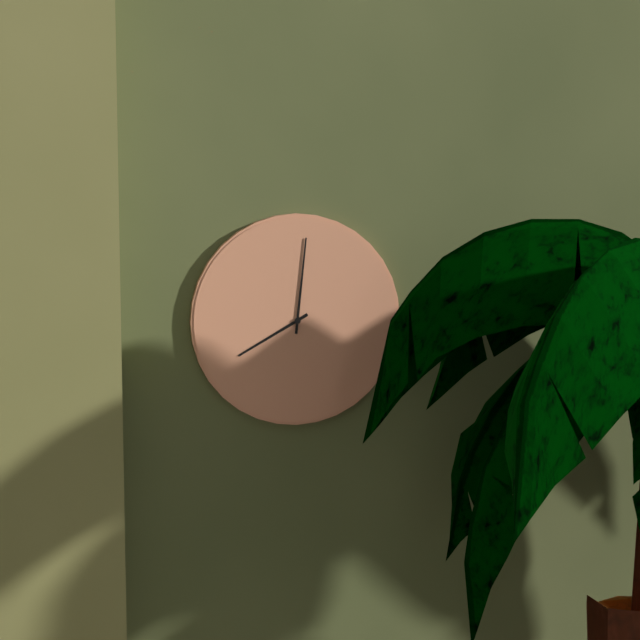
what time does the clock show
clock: 8:01
